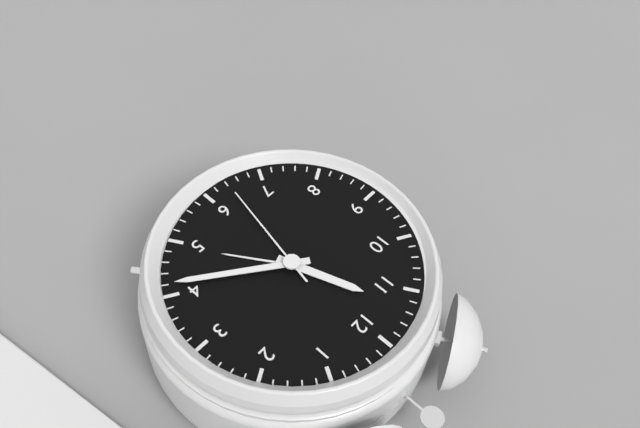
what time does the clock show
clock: 11:21:32
